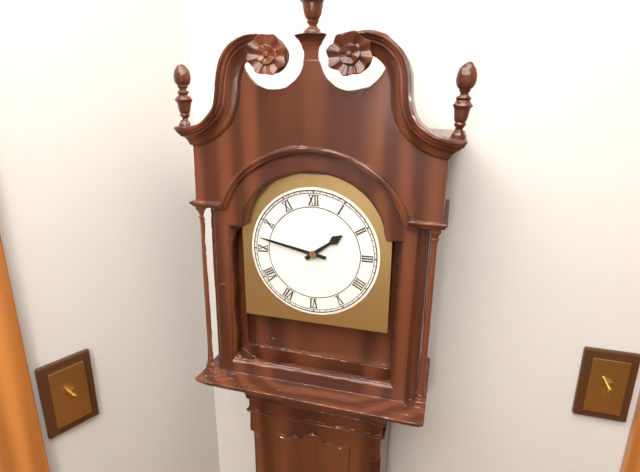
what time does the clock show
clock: 1:47
